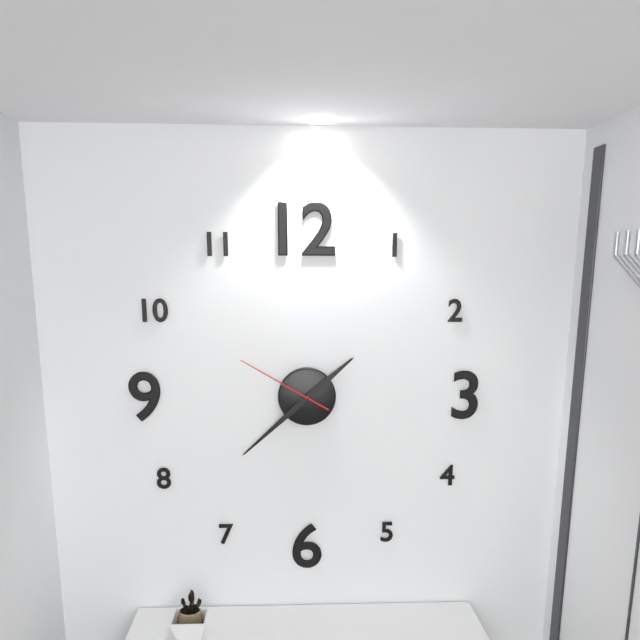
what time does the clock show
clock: 1:38:50
